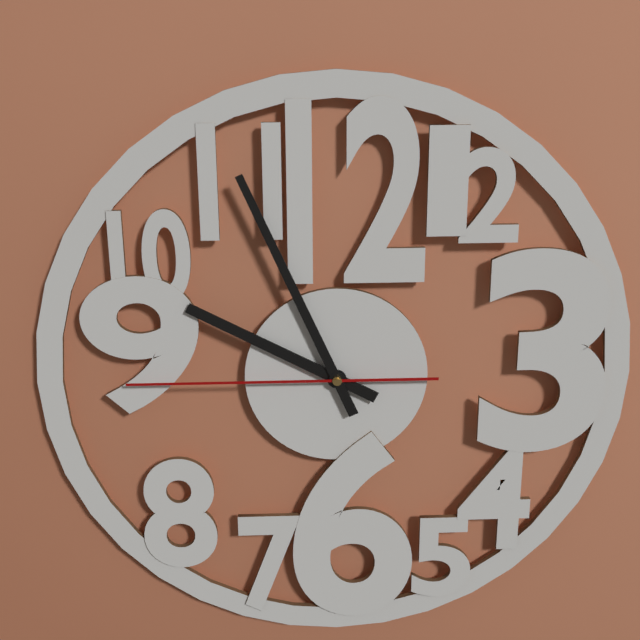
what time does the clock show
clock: 9:56:45
